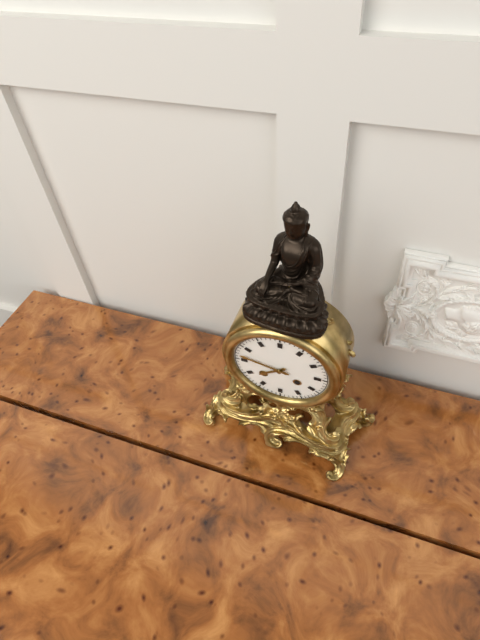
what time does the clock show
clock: 7:47
